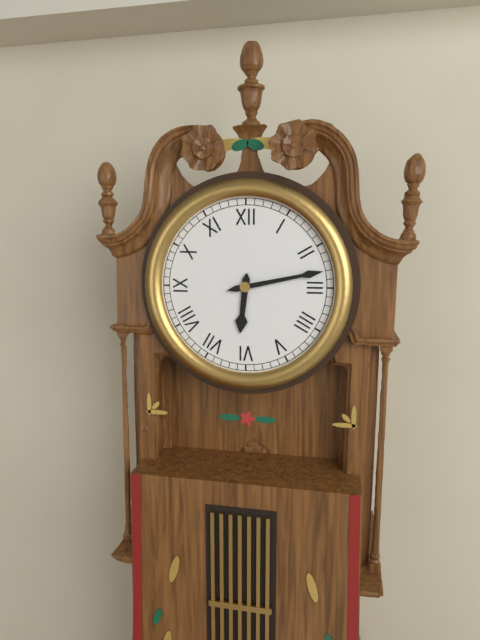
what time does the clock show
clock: 6:13
